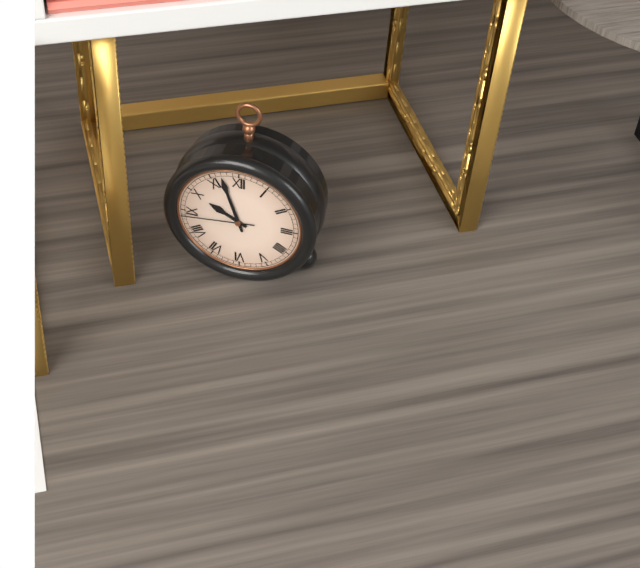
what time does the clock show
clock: 9:57:44
